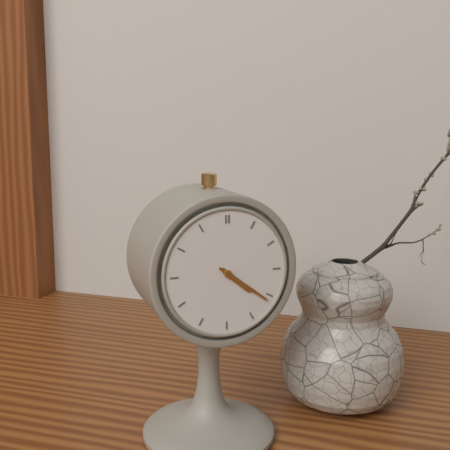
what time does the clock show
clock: 4:21
